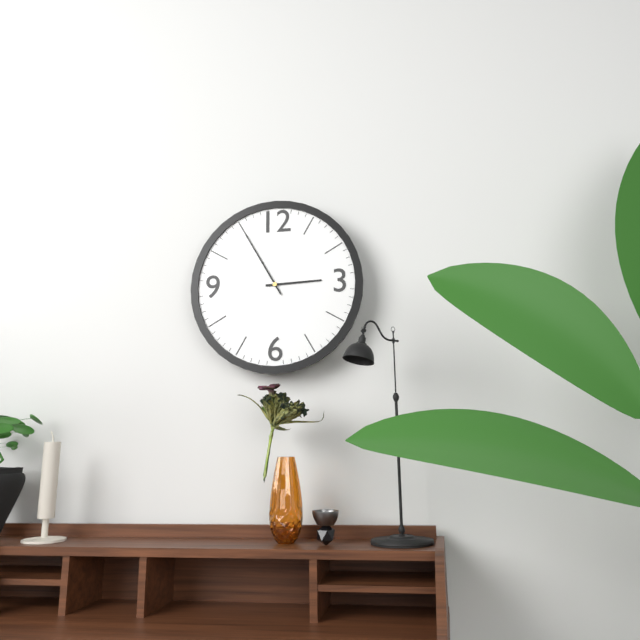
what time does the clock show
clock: 2:55
